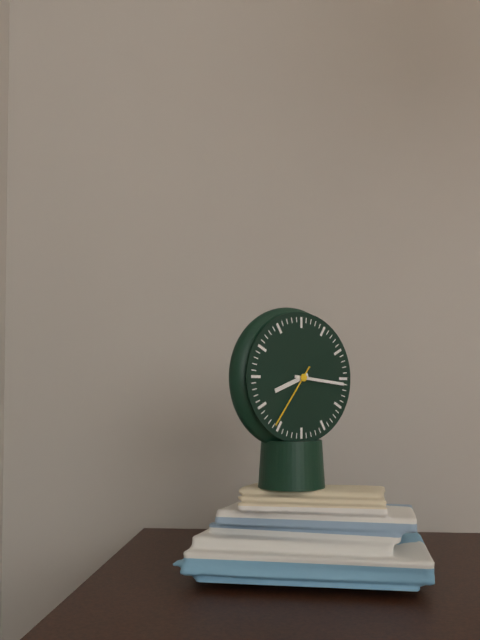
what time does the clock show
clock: 8:16:36
